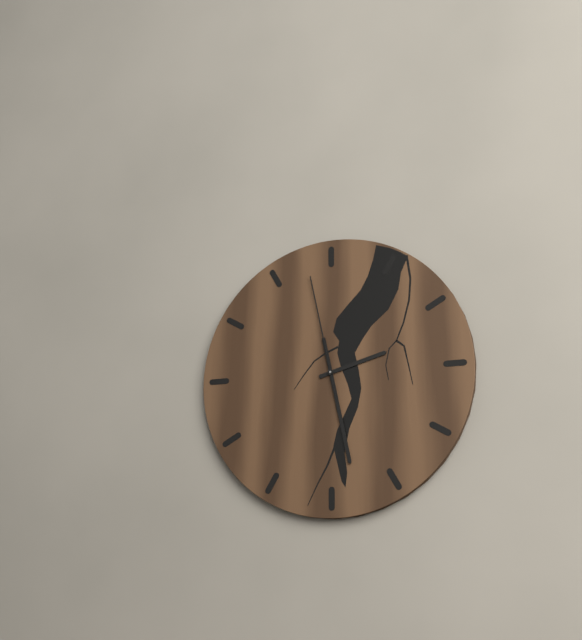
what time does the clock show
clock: 2:28:58
